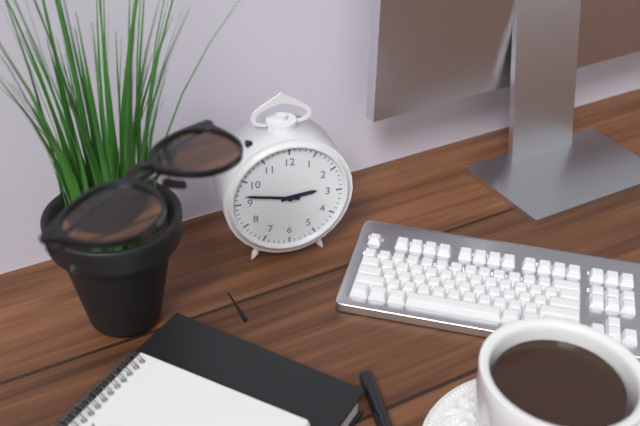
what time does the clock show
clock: 2:47
